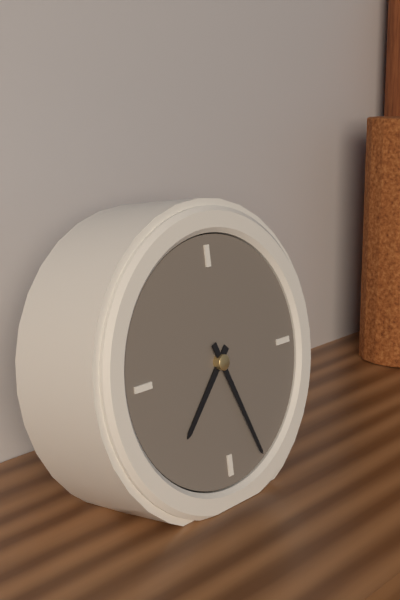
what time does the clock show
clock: 7:26
